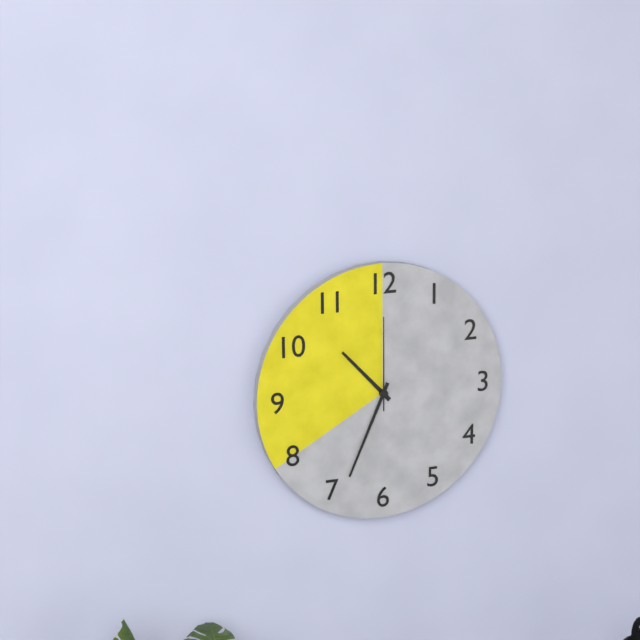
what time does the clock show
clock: 10:34:00
